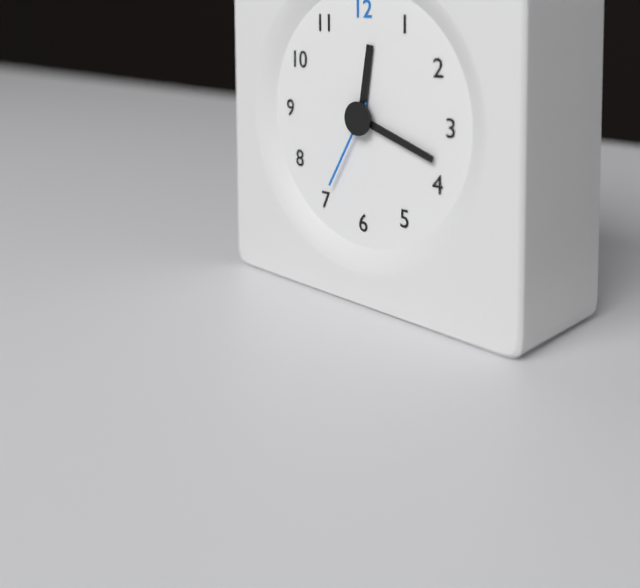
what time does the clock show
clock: 12:18:35
